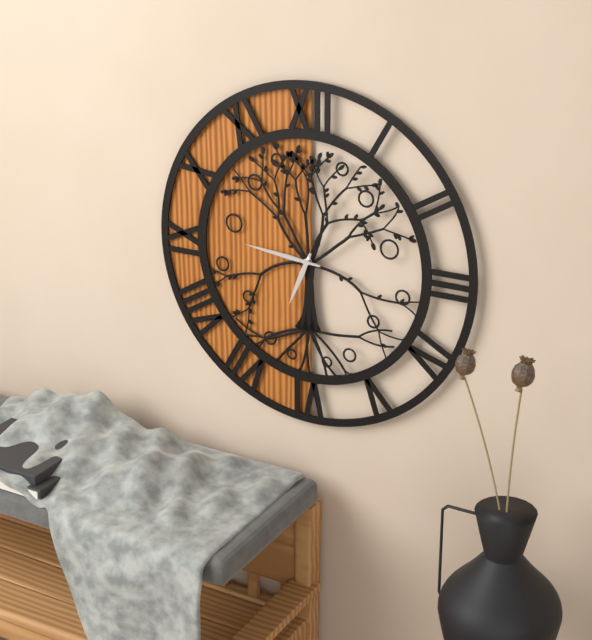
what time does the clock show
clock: 6:46
